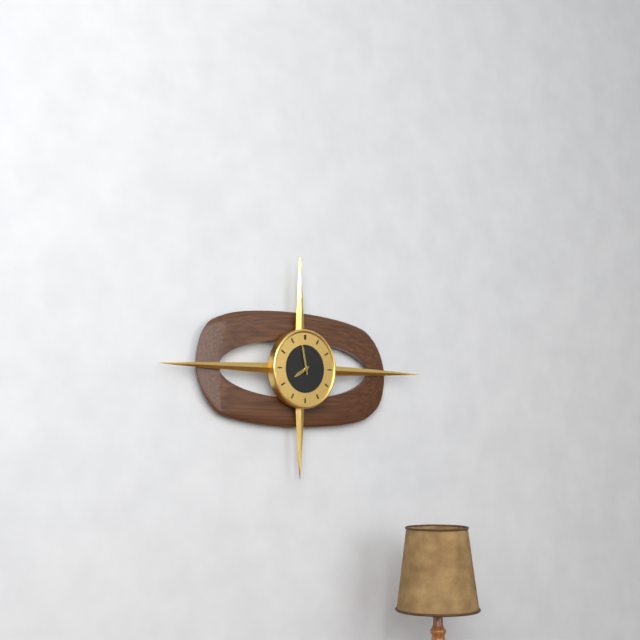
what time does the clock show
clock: 7:58
